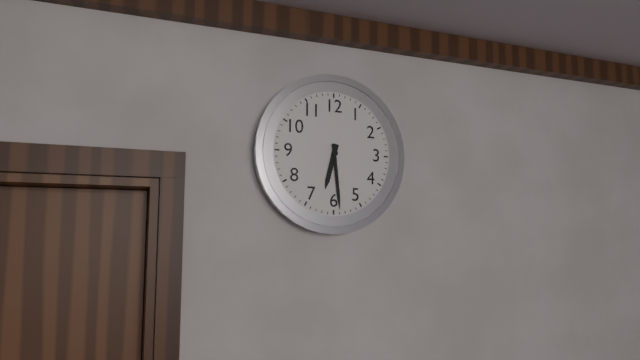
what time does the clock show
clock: 6:29
